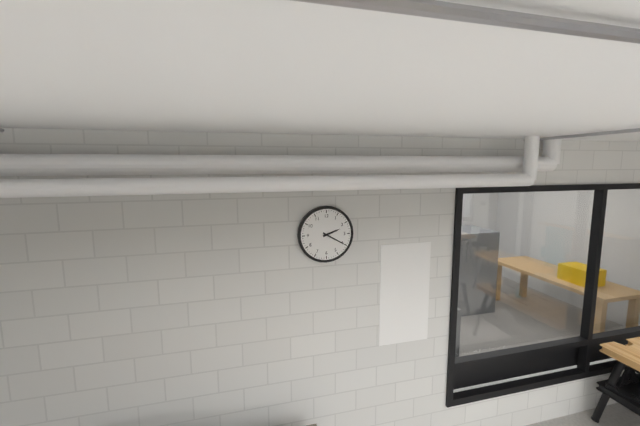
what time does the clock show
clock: 2:20
